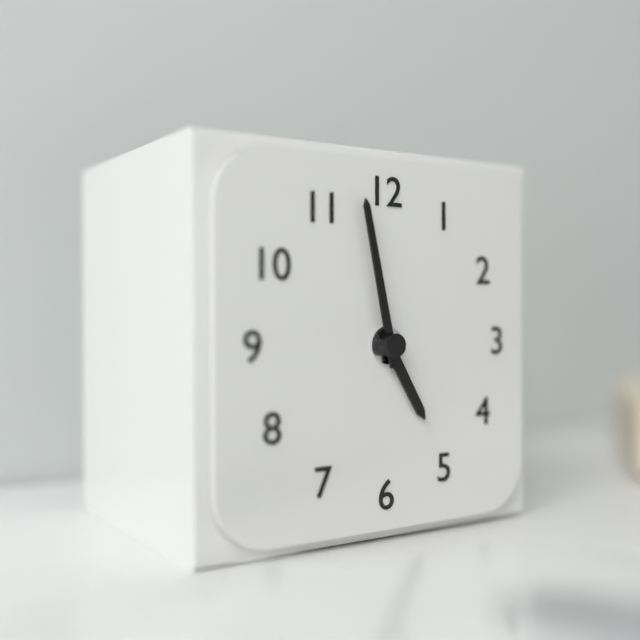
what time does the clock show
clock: 4:58
